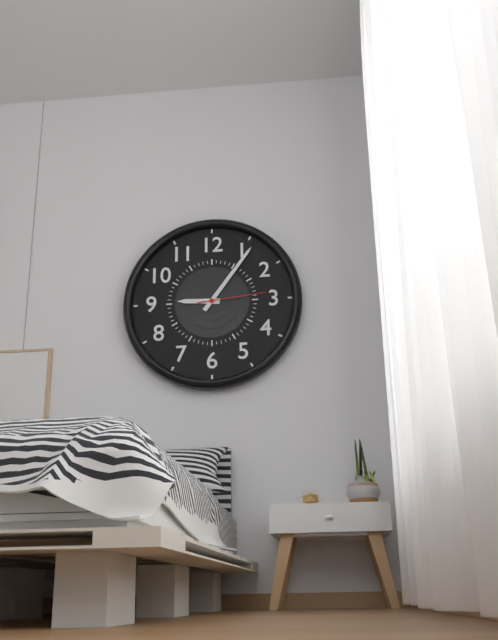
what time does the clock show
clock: 9:06:14
